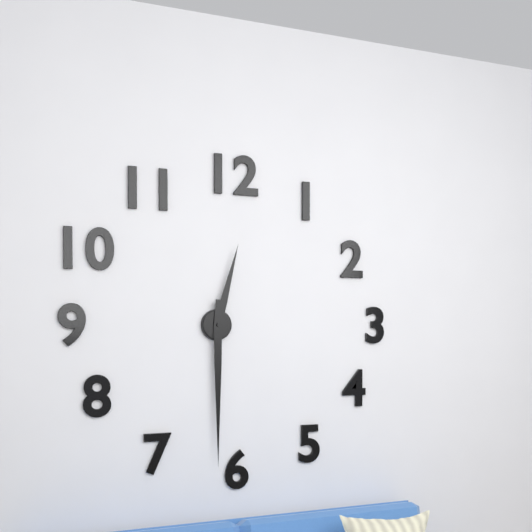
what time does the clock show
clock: 12:30
